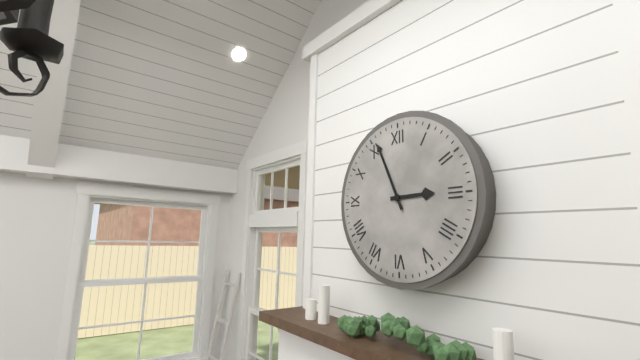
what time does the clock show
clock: 2:56
